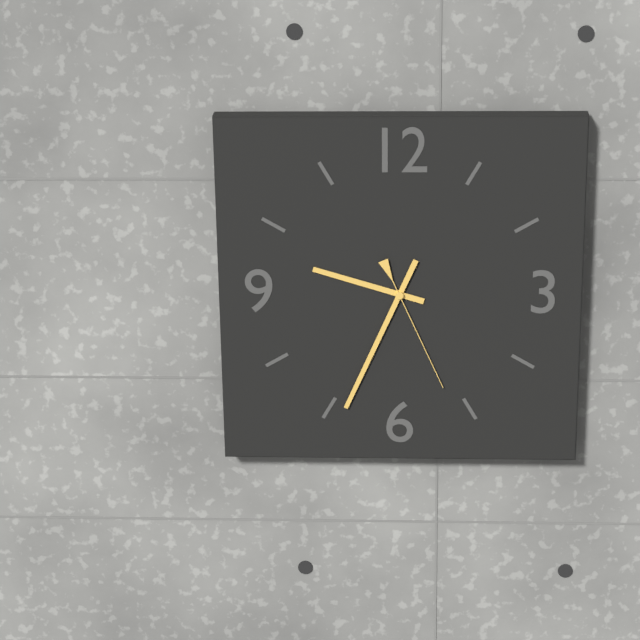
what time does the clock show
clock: 9:34:26
